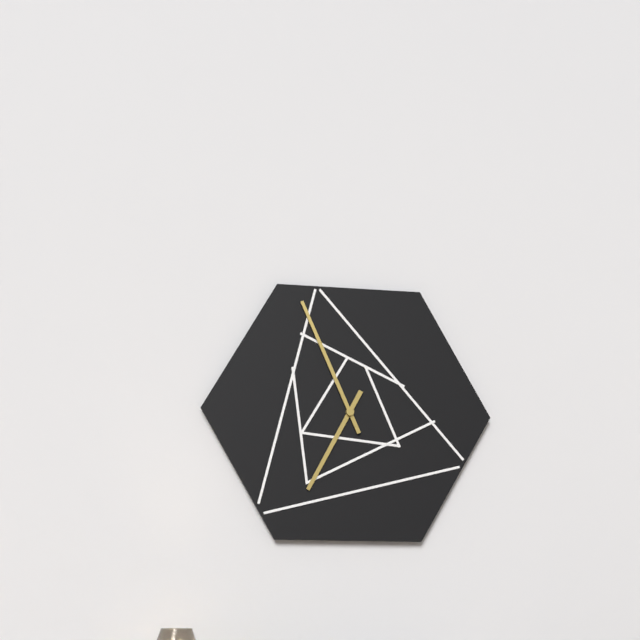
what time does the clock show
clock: 6:56
